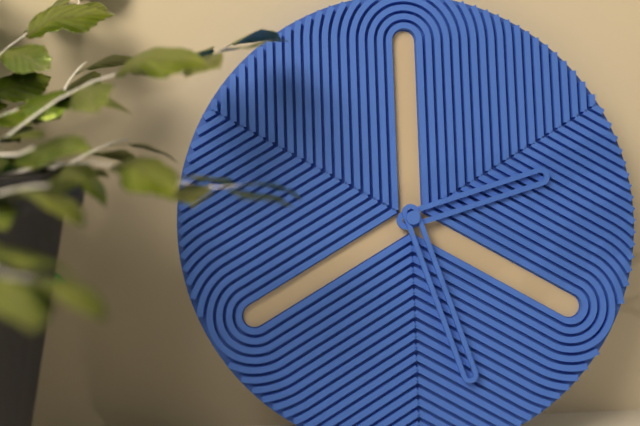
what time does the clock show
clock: 2:27
